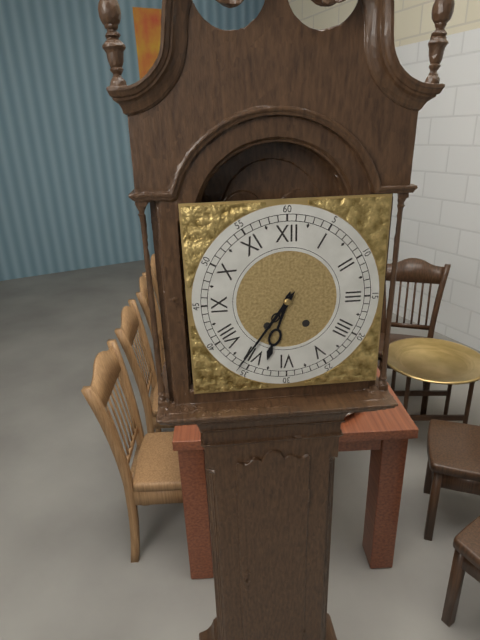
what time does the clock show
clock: 6:36
